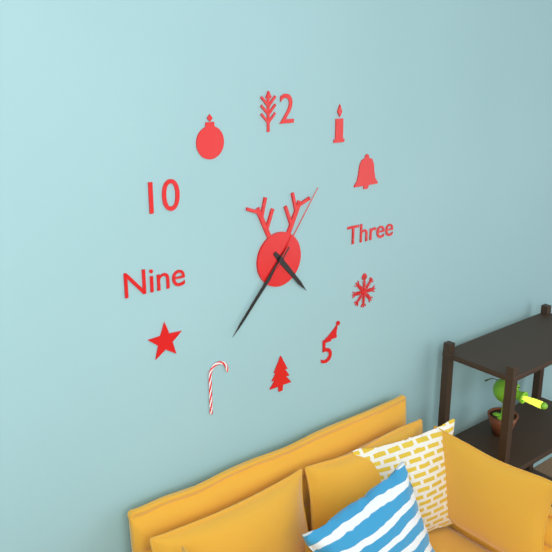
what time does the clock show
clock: 4:37:06
